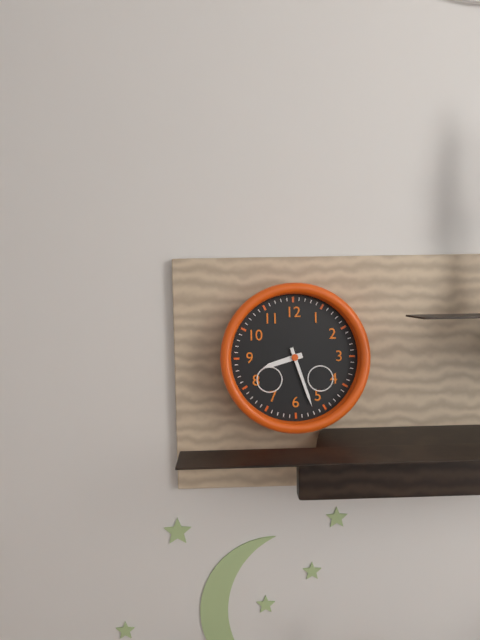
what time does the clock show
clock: 8:27
